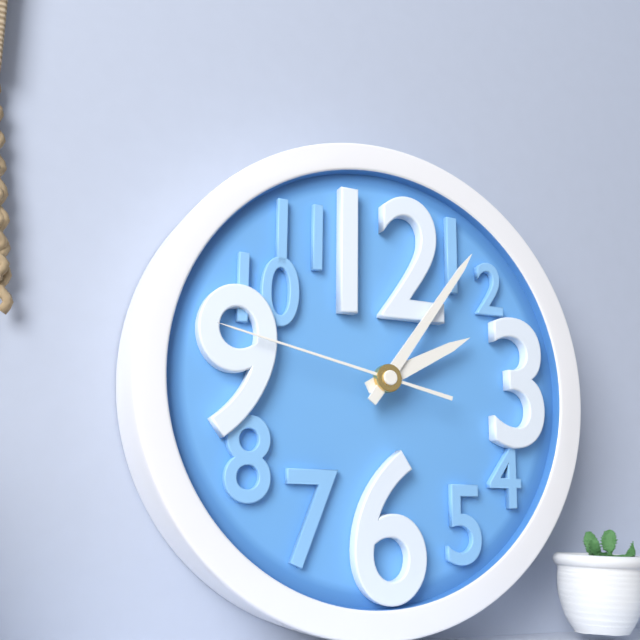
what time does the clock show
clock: 2:06:47
